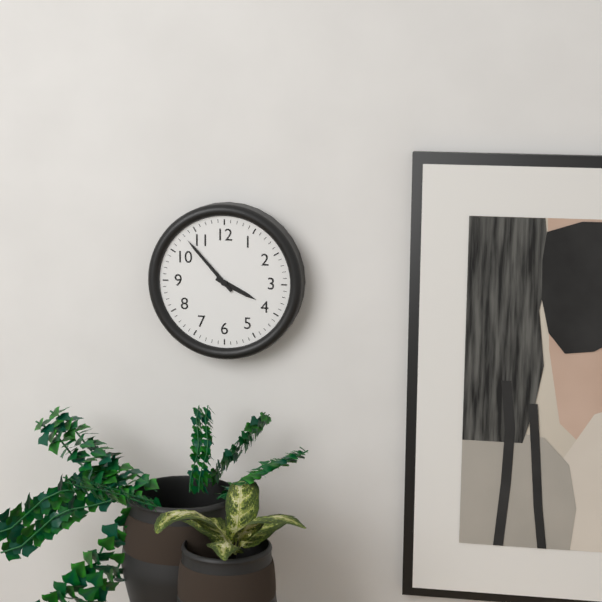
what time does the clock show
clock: 3:53
